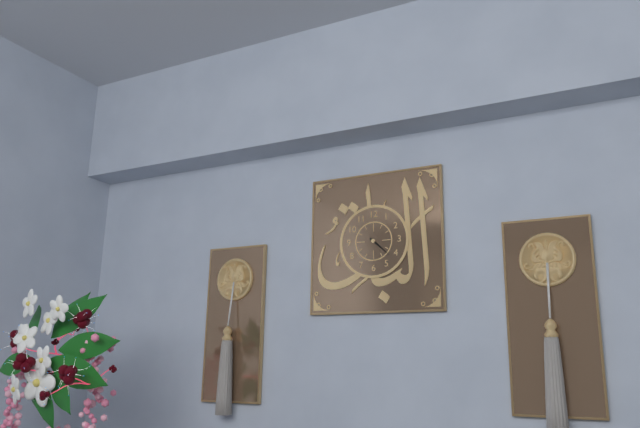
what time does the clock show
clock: 4:22
